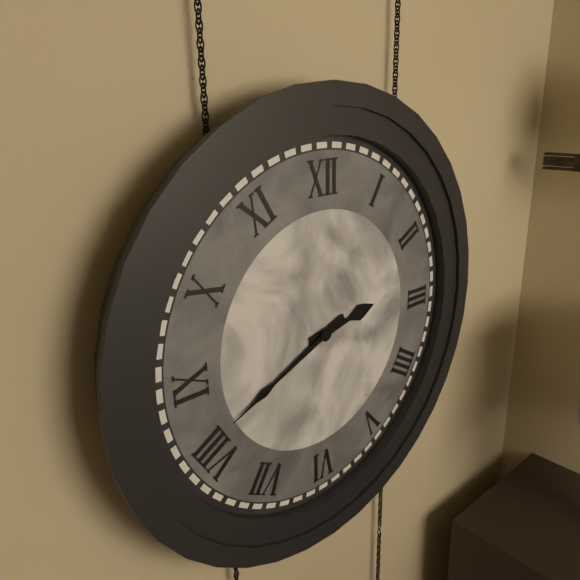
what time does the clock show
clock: 2:41
